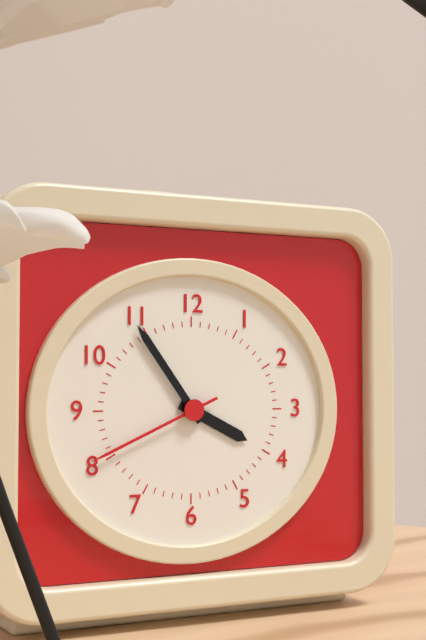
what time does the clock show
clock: 3:54:41
